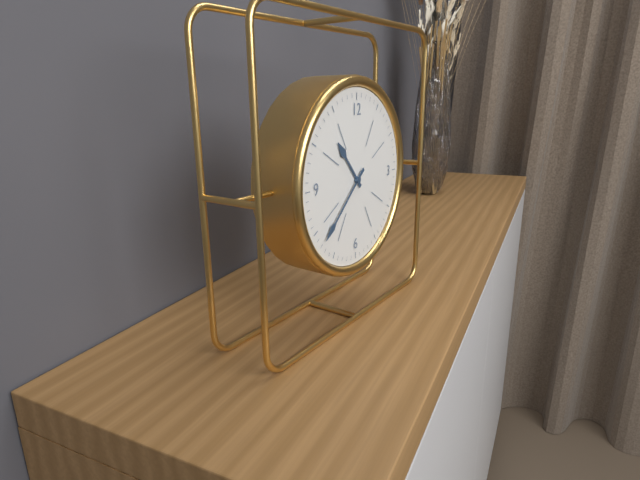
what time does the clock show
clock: 10:38
